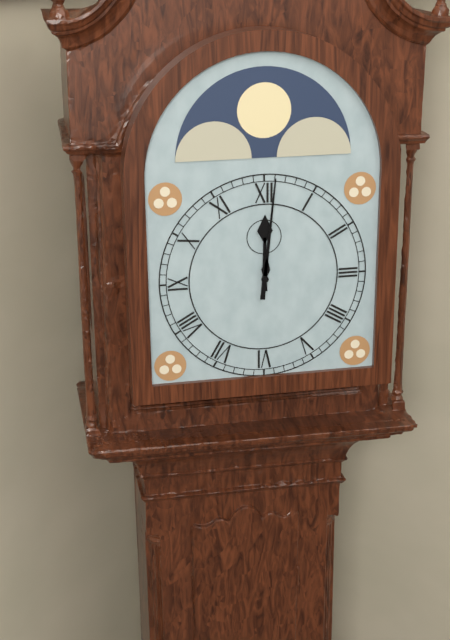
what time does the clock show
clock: 12:01
